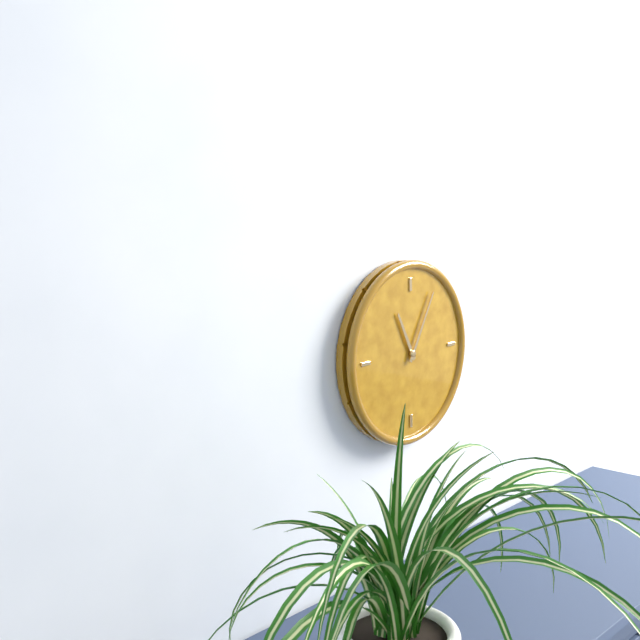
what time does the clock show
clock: 11:05
